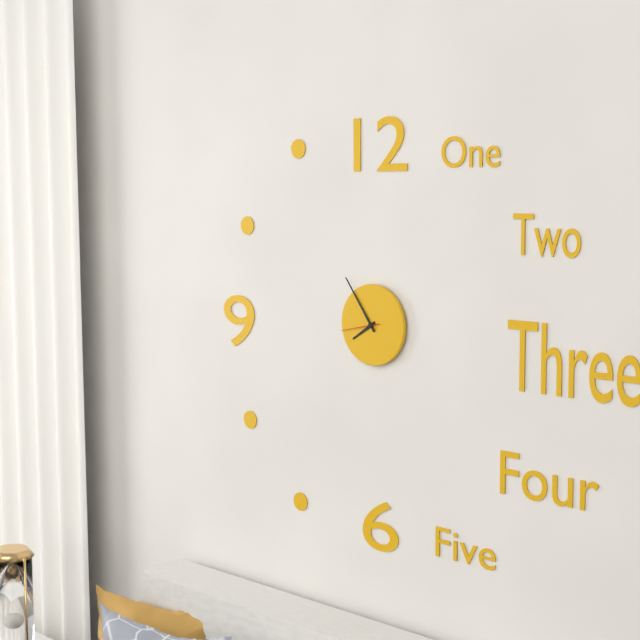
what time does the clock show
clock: 7:54
